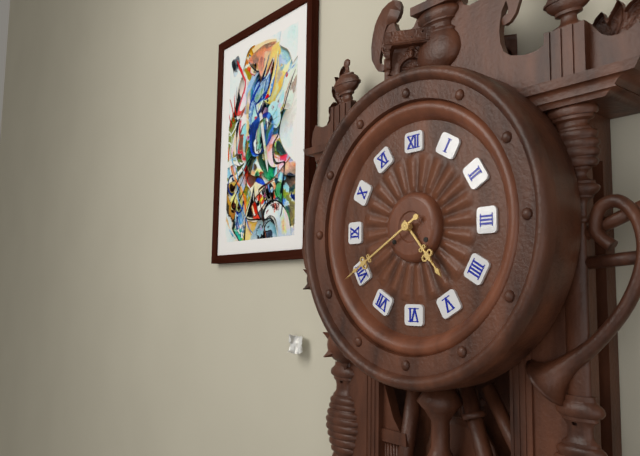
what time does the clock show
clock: 4:40
